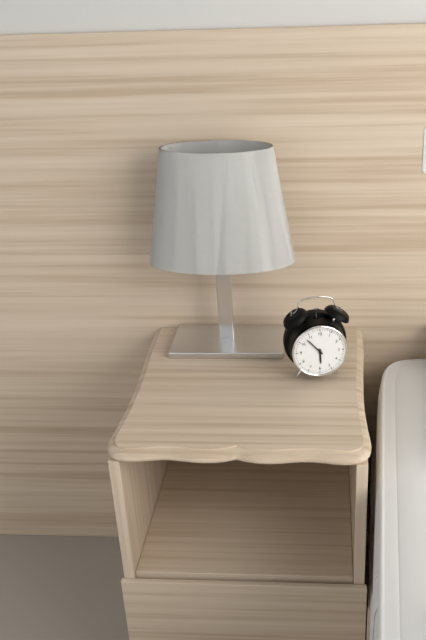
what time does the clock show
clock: 5:53
